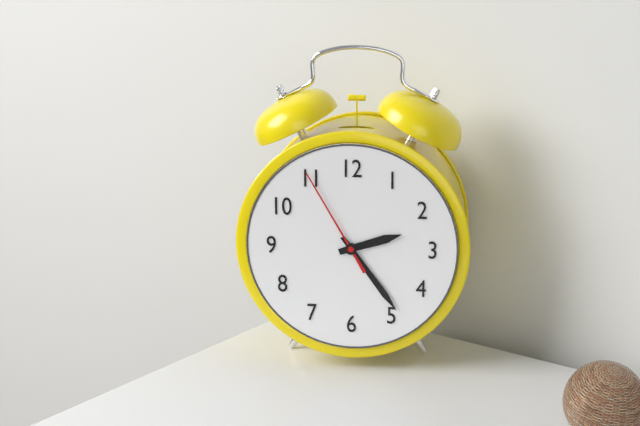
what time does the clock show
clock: 2:24:55
